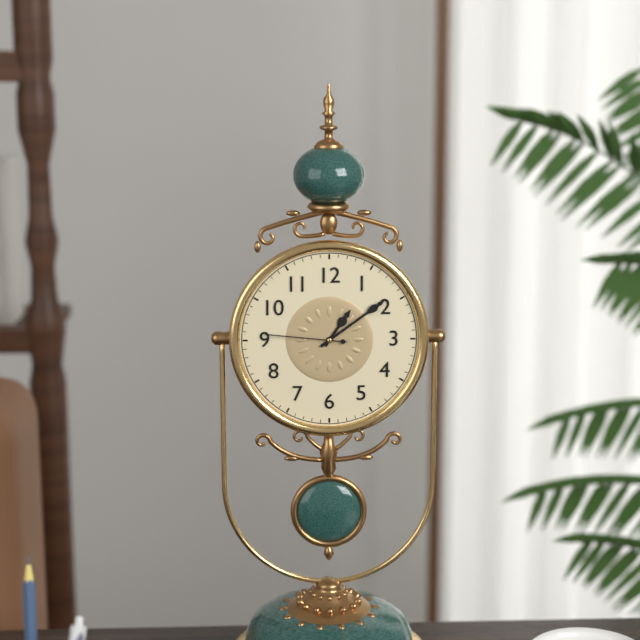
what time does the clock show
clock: 1:09:46
